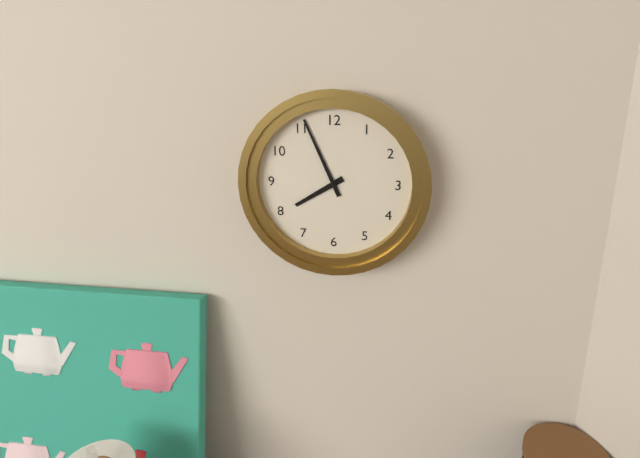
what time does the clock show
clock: 7:56
